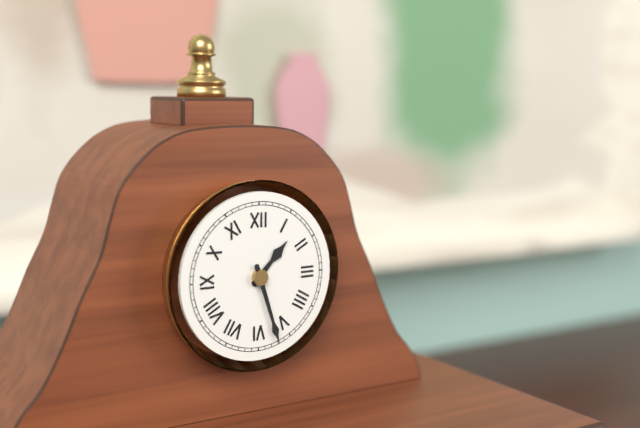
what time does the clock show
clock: 1:27
